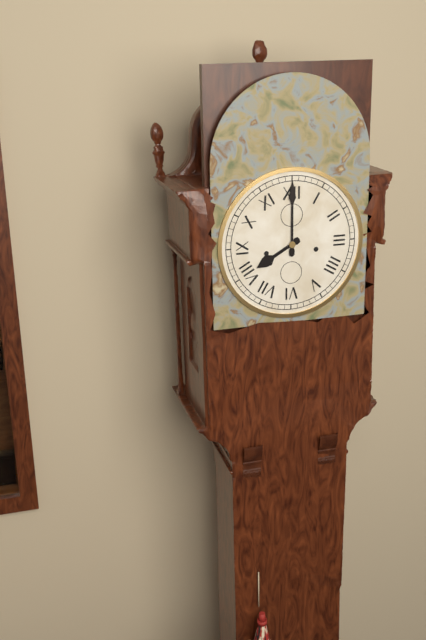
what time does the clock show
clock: 8:00
